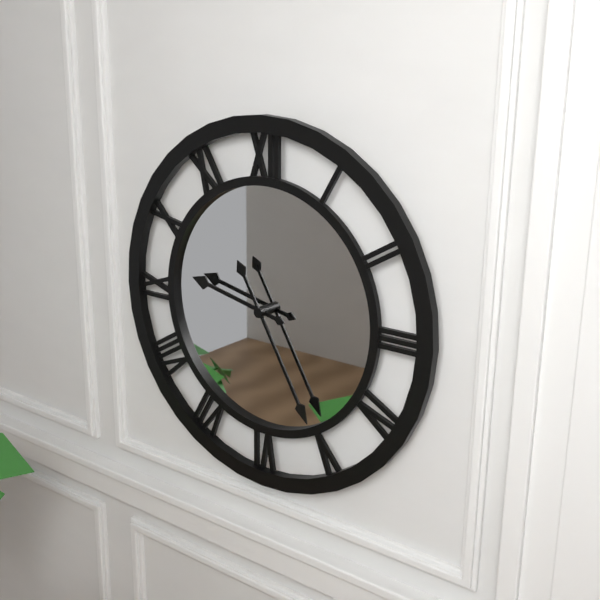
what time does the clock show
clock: 9:25
